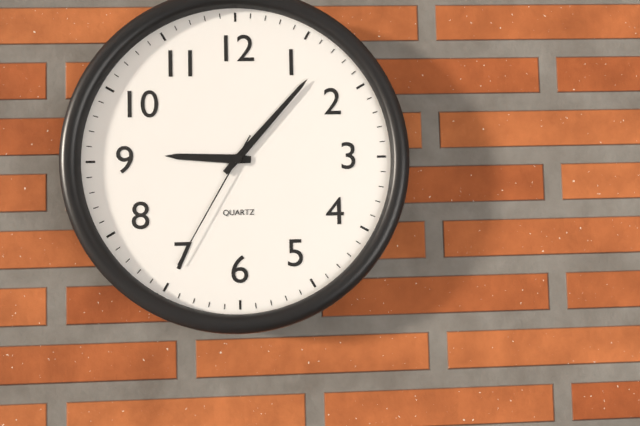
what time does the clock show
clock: 9:07:35
